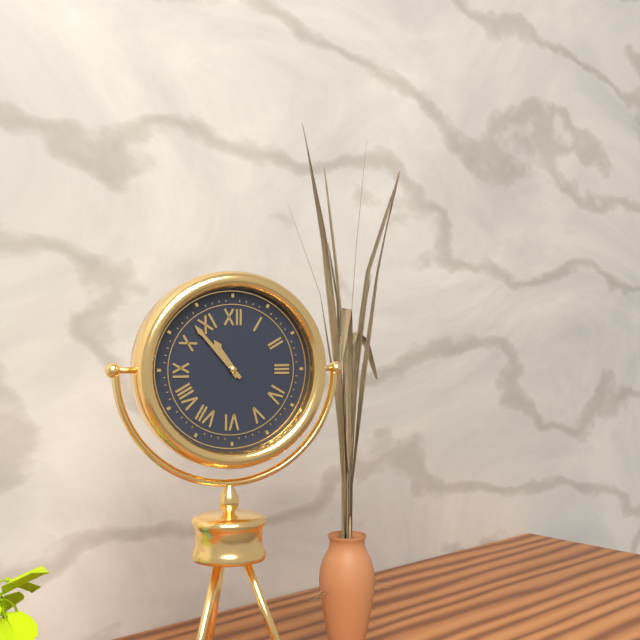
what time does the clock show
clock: 10:53
